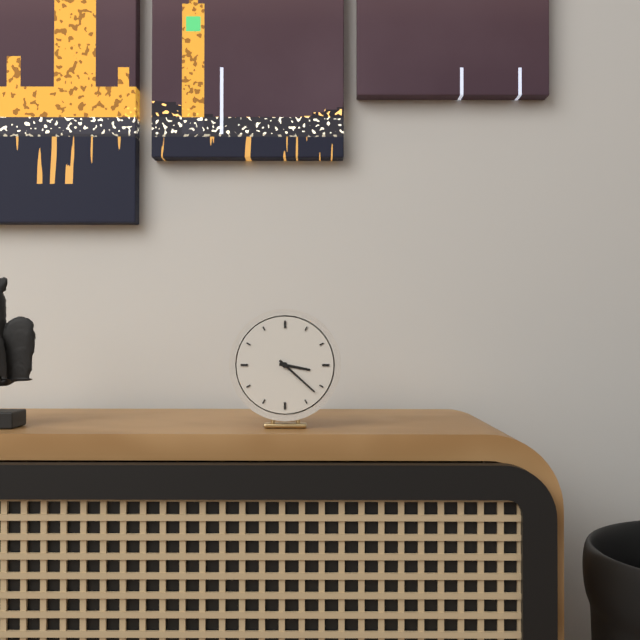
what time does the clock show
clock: 3:22
